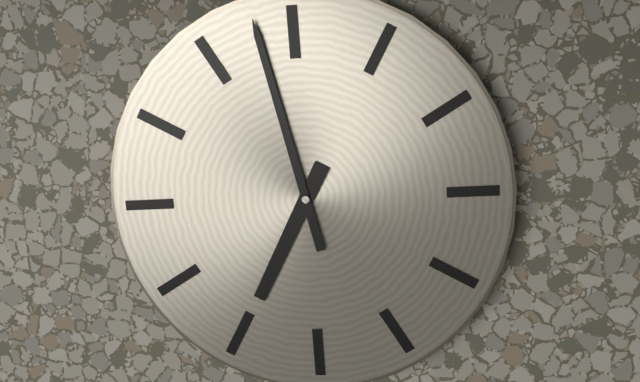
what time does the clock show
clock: 6:58
